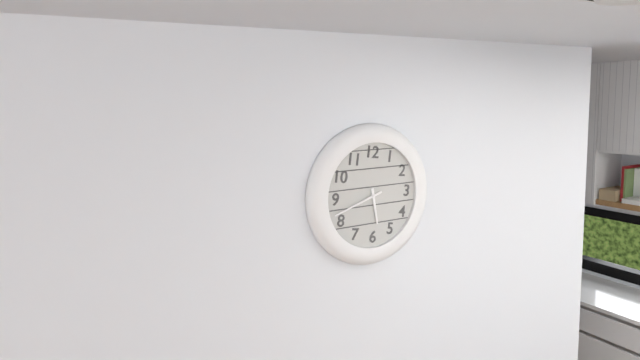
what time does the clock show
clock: 5:42
